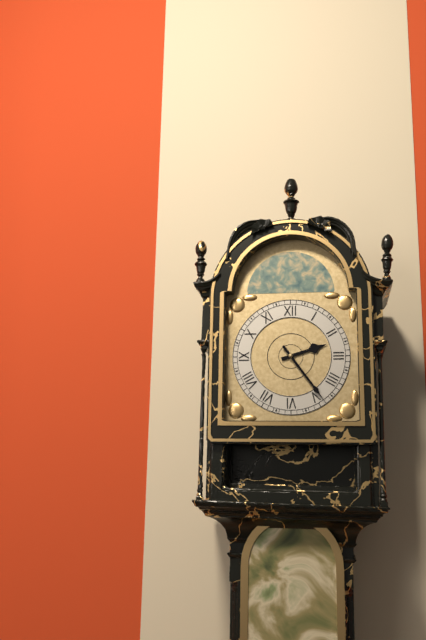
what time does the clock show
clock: 2:24
